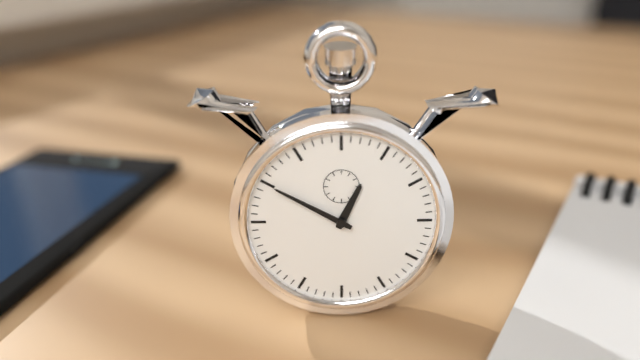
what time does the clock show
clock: 12:50
